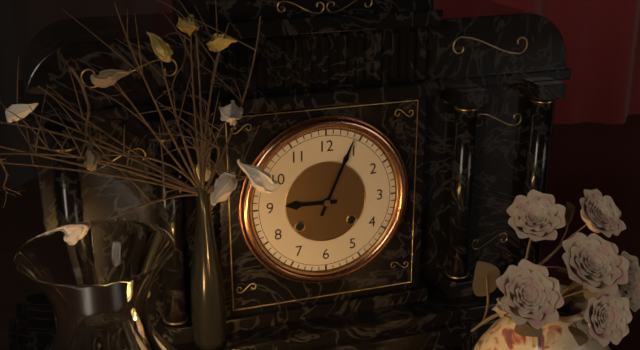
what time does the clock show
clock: 9:04
